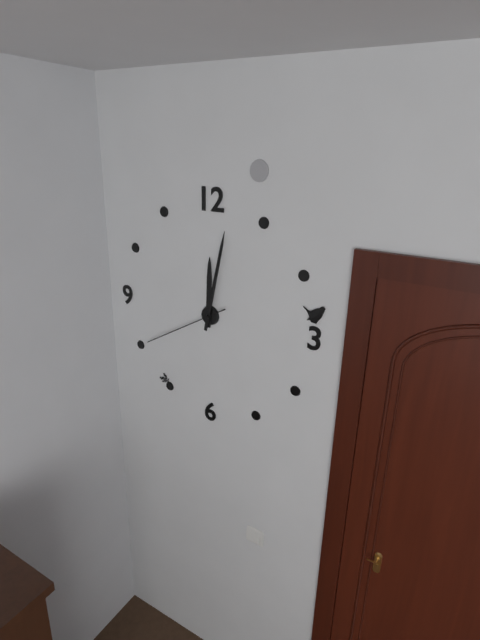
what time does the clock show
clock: 12:02:40
